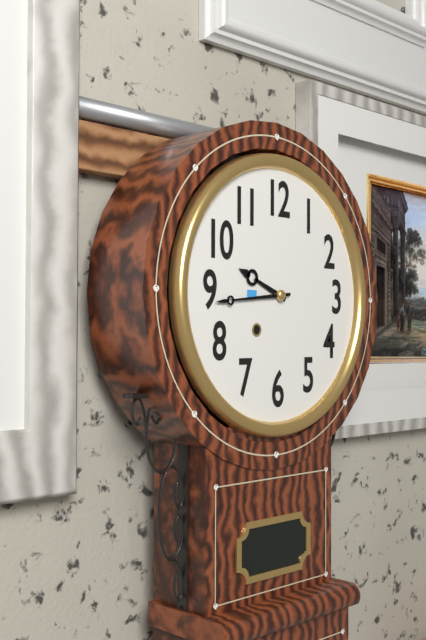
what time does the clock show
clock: 9:44
